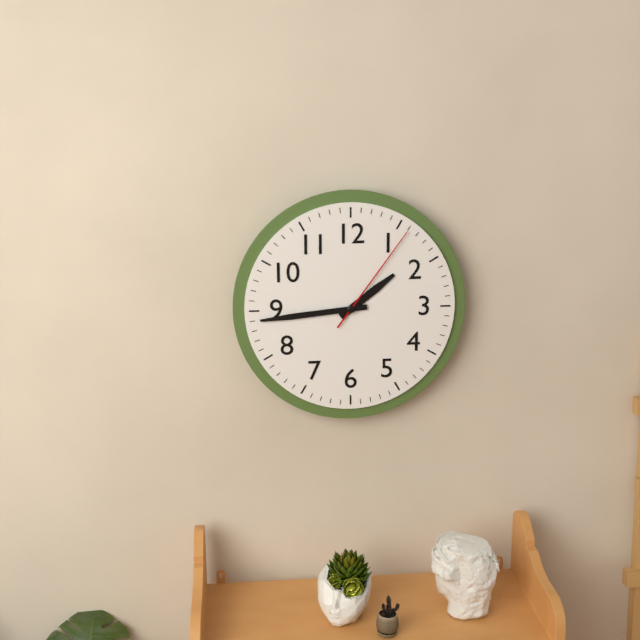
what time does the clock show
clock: 1:44:06
